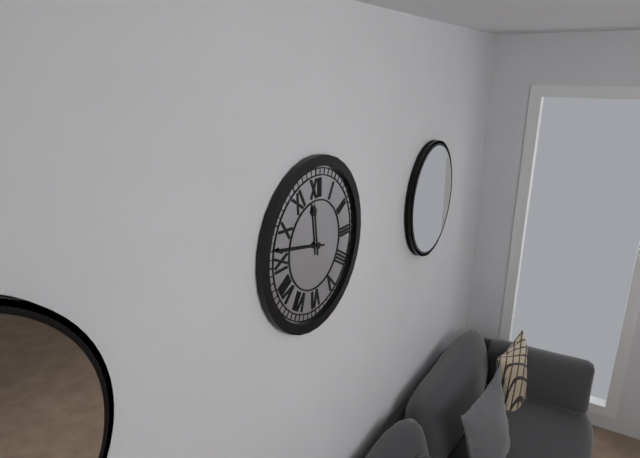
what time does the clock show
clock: 11:47
